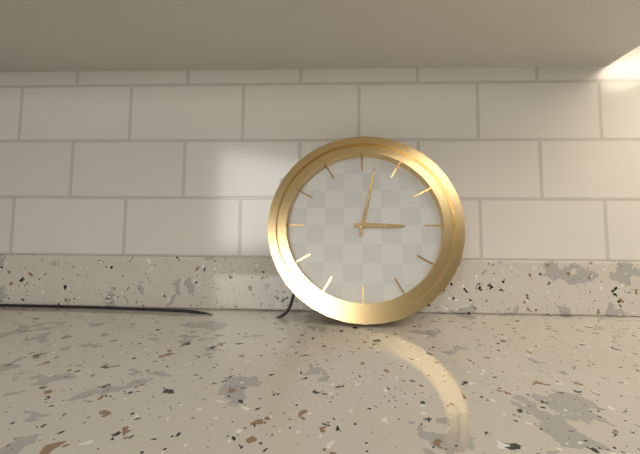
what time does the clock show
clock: 3:02
